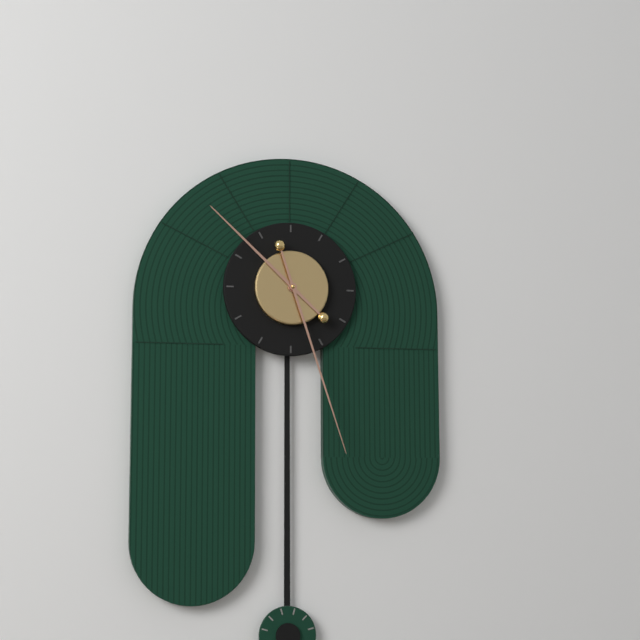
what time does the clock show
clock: 10:27
